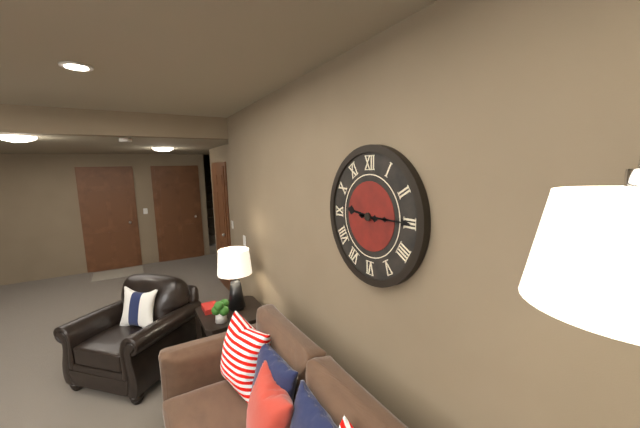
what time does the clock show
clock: 9:15
